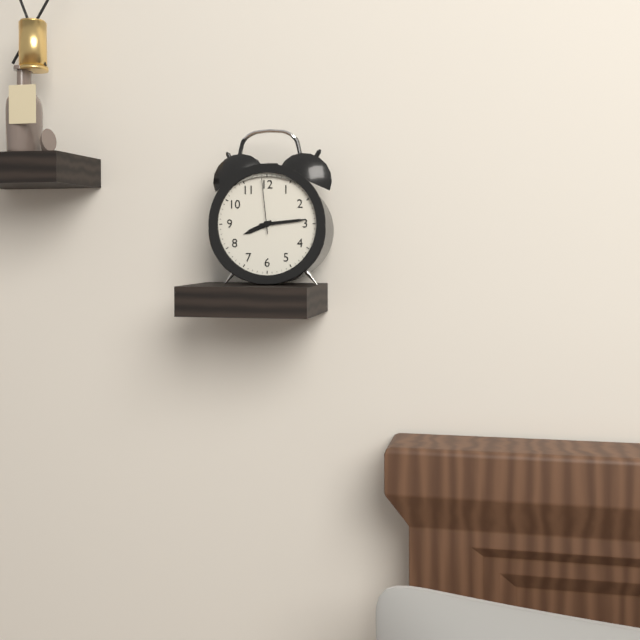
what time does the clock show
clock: 8:14:59
